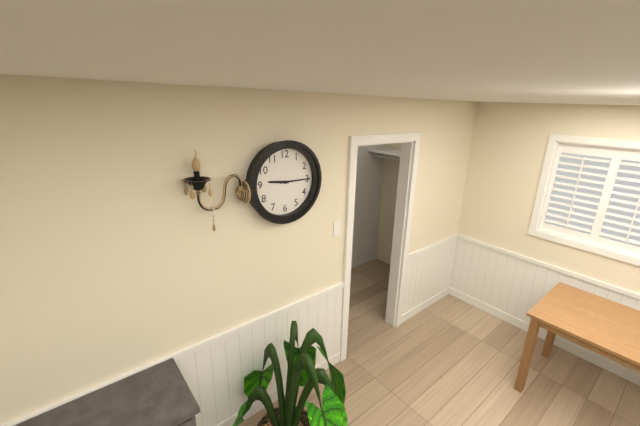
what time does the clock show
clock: 9:15
